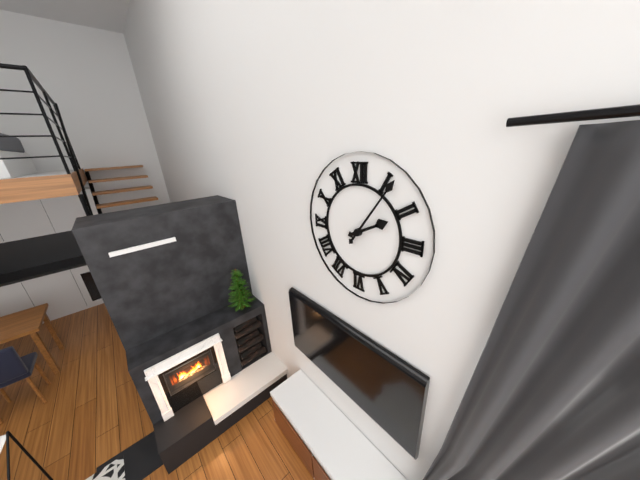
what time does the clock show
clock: 2:06
